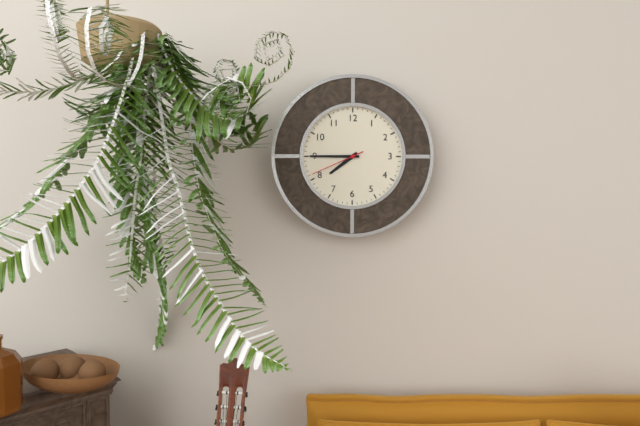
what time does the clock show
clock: 7:45:41
